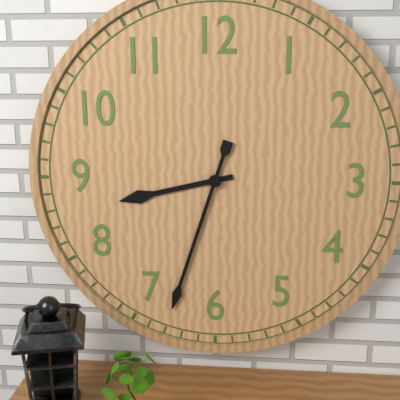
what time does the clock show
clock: 8:33
